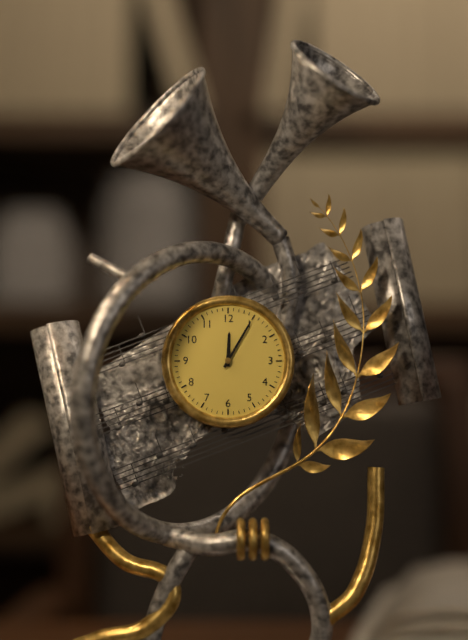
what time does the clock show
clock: 12:05
